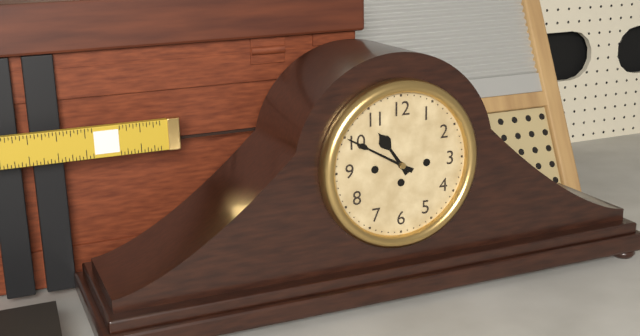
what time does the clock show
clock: 10:50
